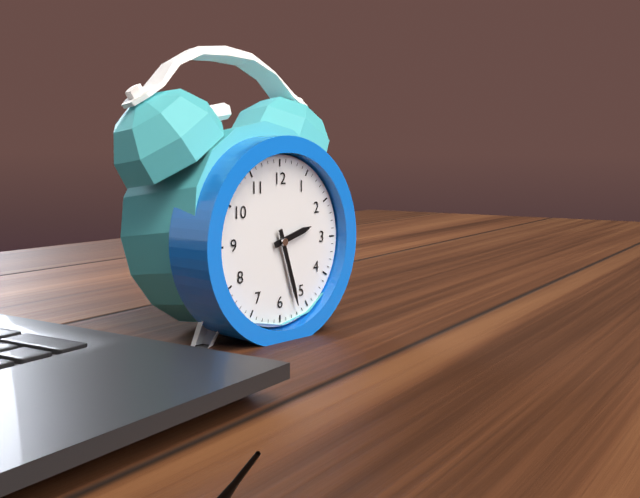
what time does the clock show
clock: 2:27
